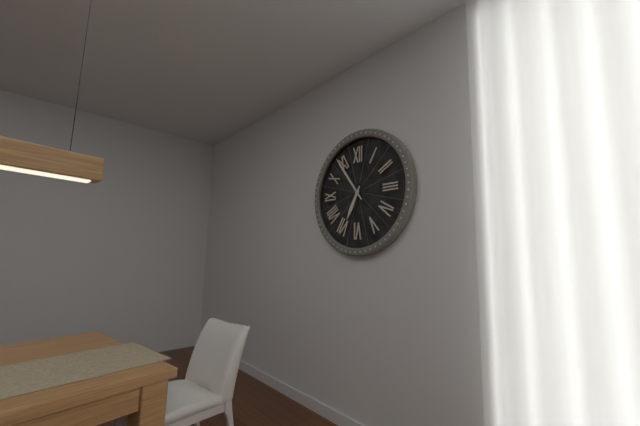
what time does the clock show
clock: 6:54
